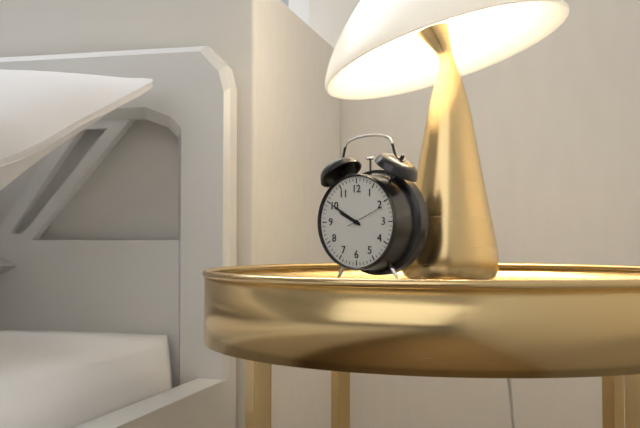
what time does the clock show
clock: 9:50
